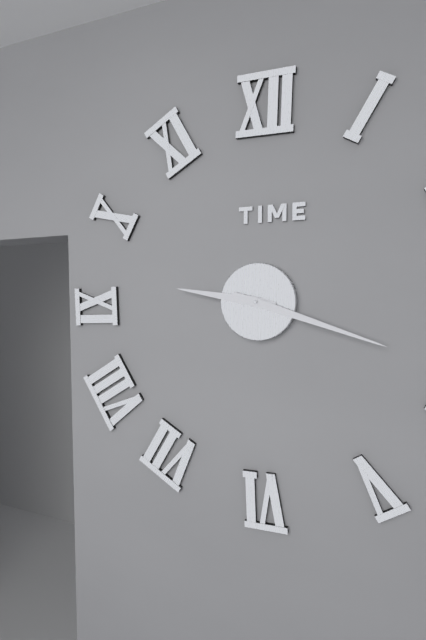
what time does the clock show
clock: 9:18
